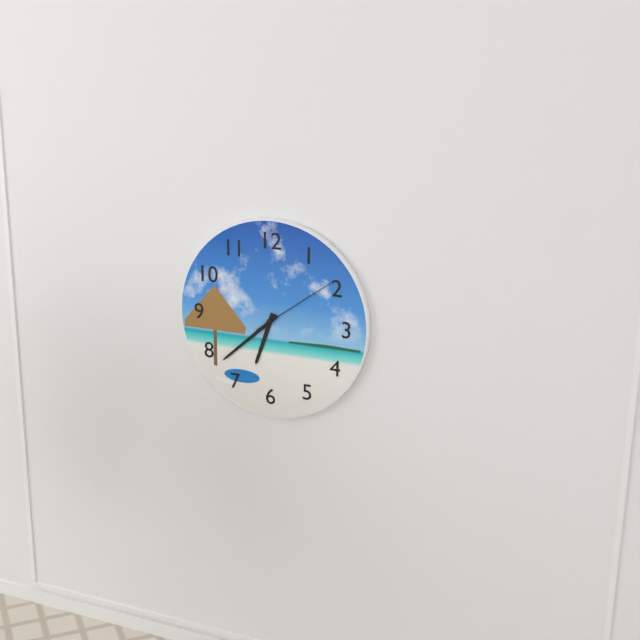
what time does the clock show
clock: 6:38:09
